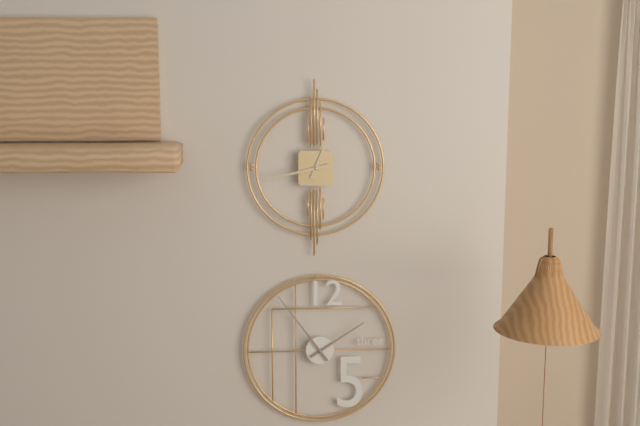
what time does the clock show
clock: 12:43
